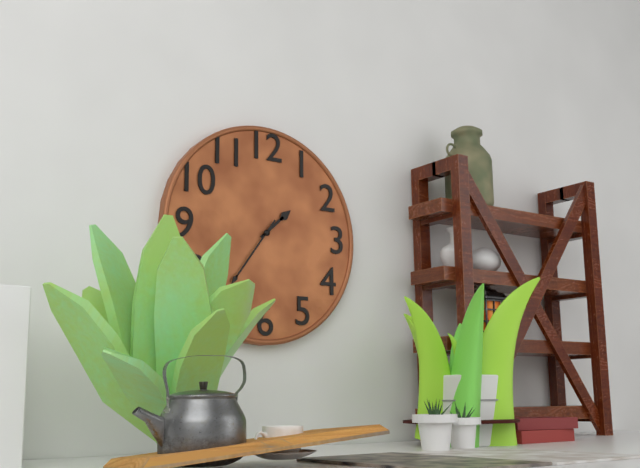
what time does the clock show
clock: 1:36
